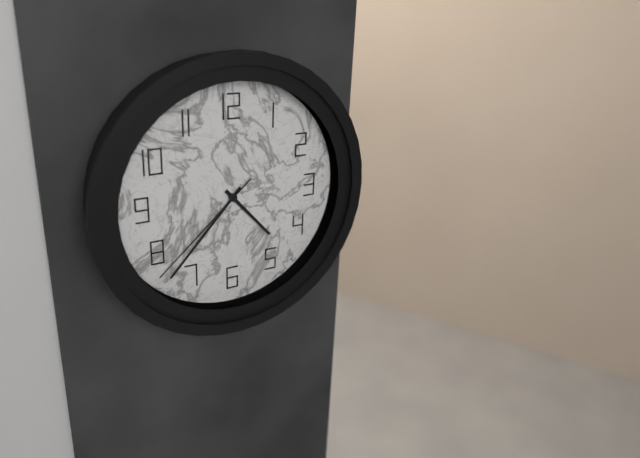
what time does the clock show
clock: 4:37:38
